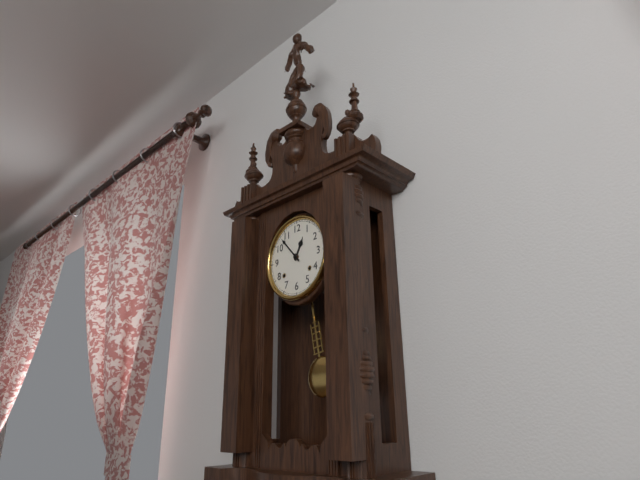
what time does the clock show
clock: 12:53
